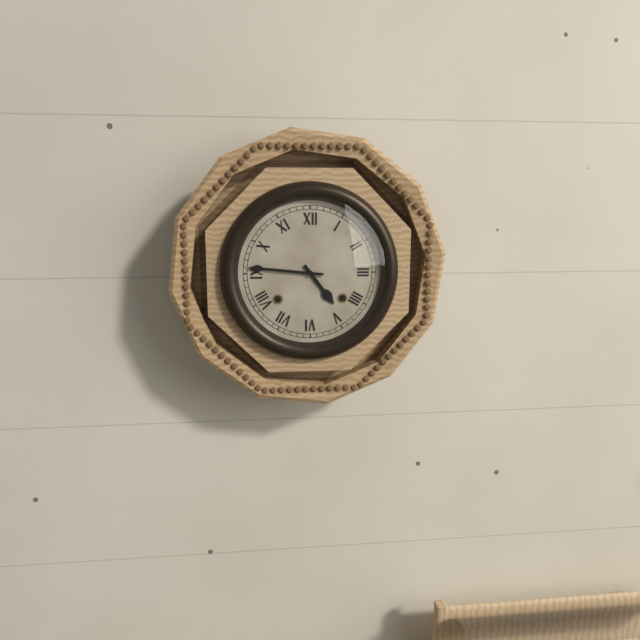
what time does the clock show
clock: 4:46
